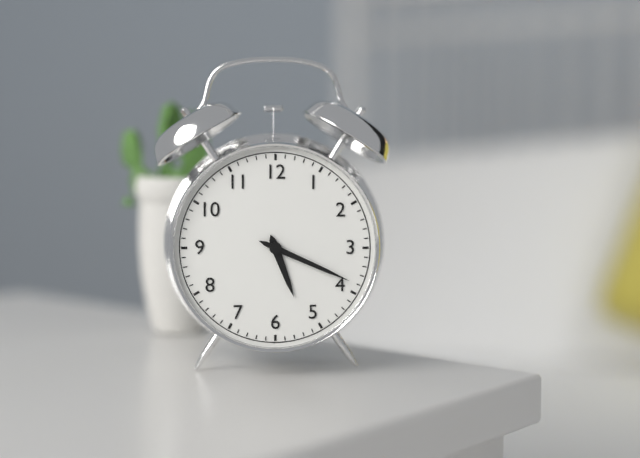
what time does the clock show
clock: 5:19
